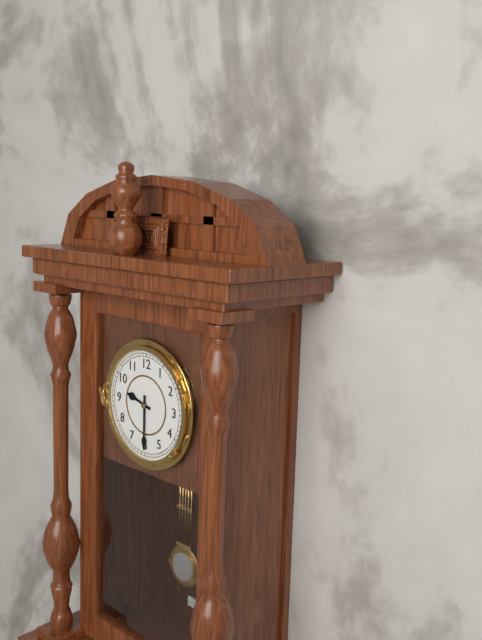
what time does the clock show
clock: 9:30
